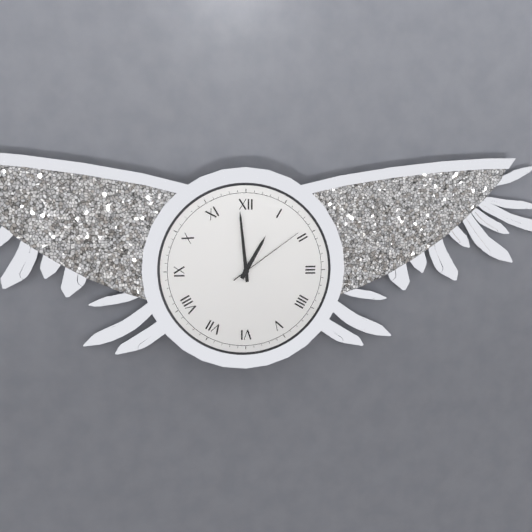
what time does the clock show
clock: 12:59:09
